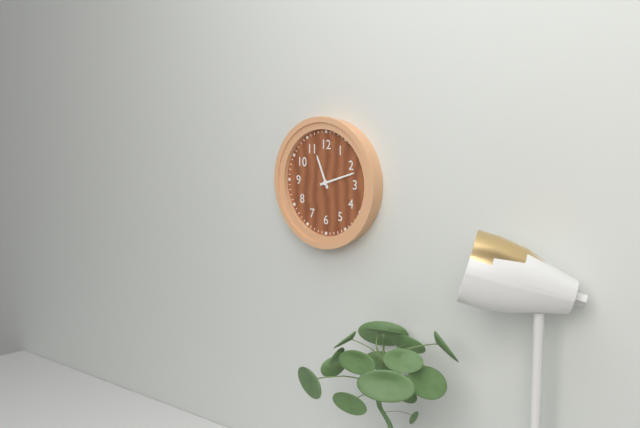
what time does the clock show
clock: 11:12
